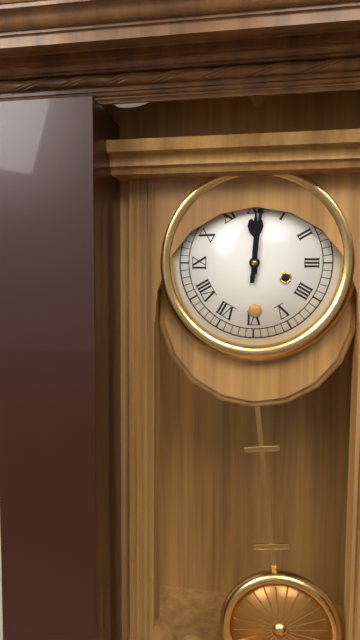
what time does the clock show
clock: 12:01
